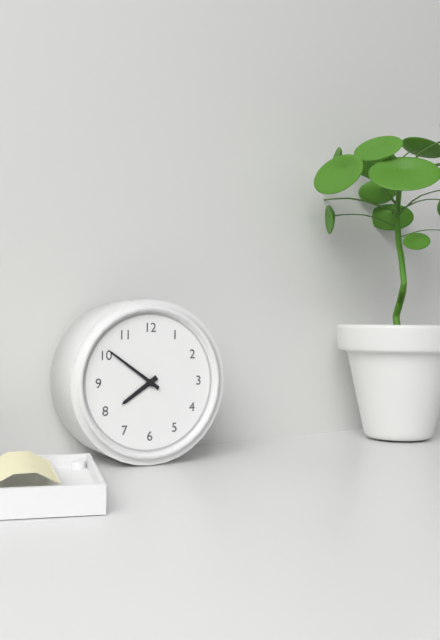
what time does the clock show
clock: 7:51
